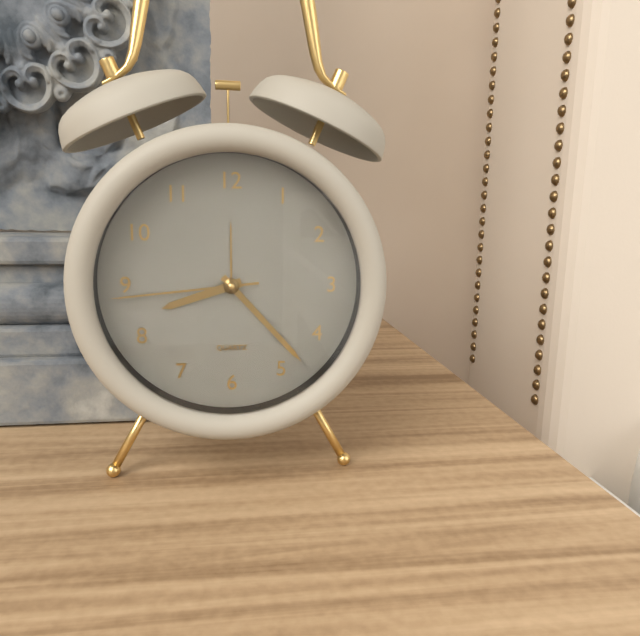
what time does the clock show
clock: 8:23:44
